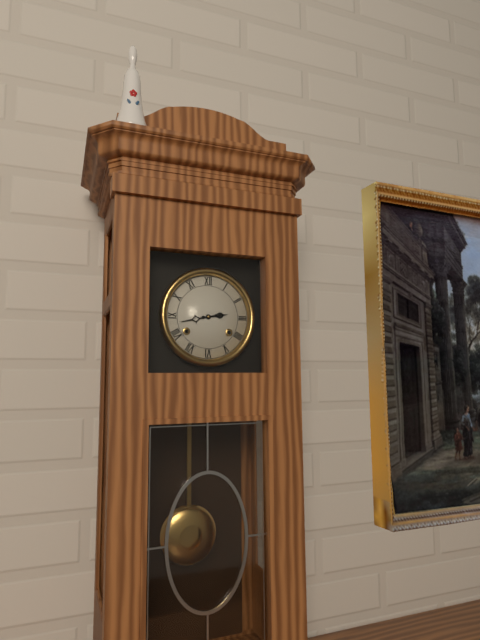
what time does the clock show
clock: 2:43
